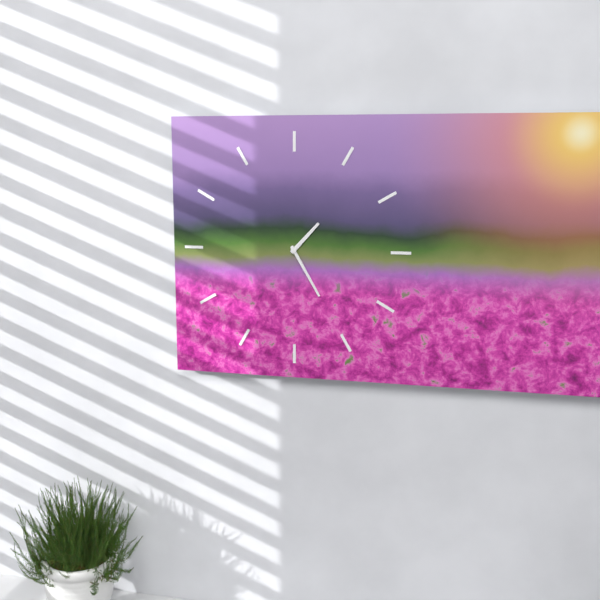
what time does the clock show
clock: 1:25
